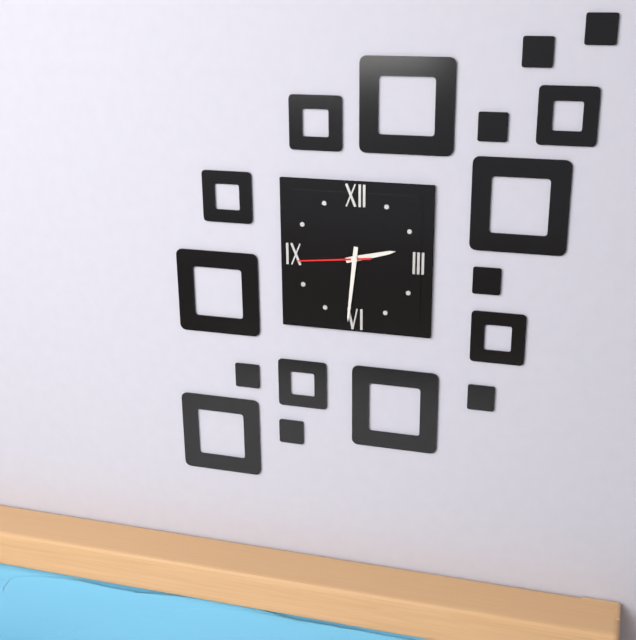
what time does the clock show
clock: 2:31:44
